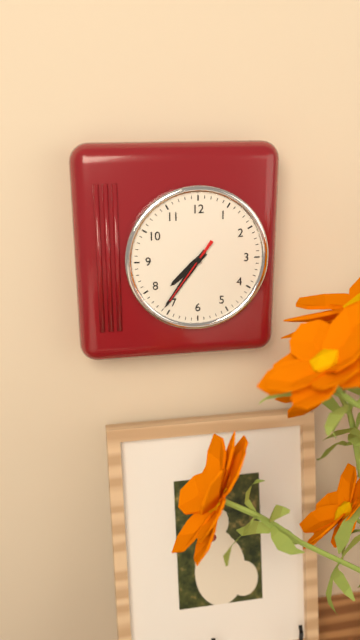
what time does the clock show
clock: 7:36:36
